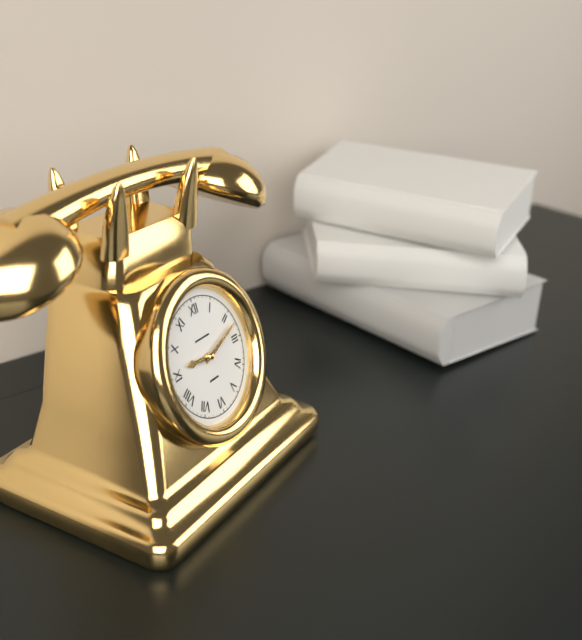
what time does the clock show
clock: 9:12
